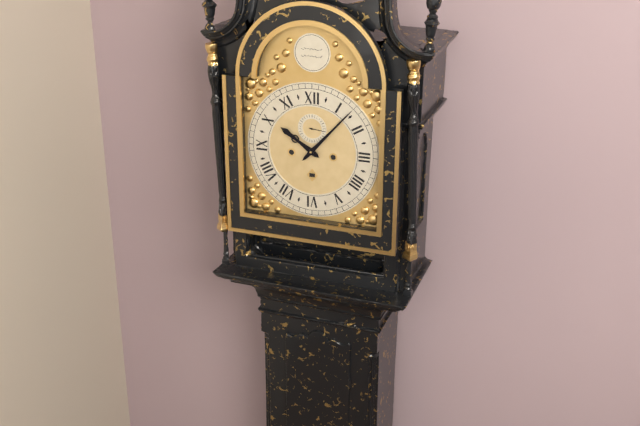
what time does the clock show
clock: 10:07
